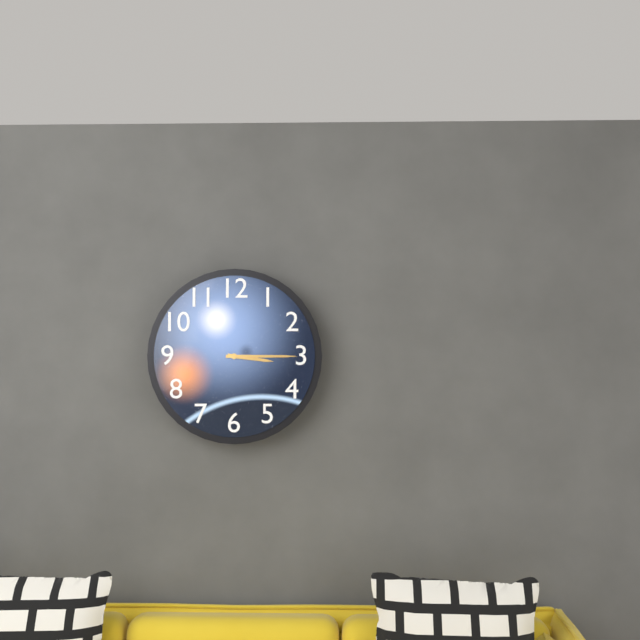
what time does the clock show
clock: 3:15
